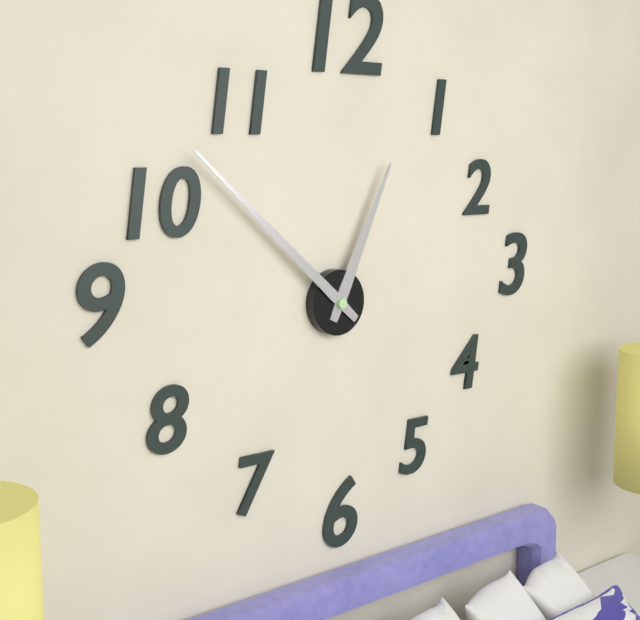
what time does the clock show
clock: 12:52
